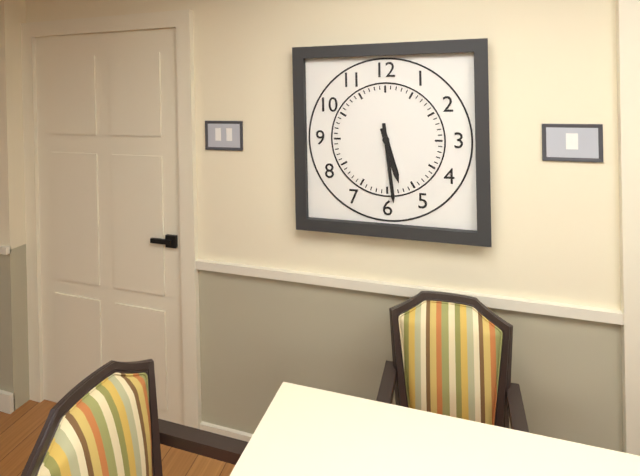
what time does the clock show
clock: 5:29
